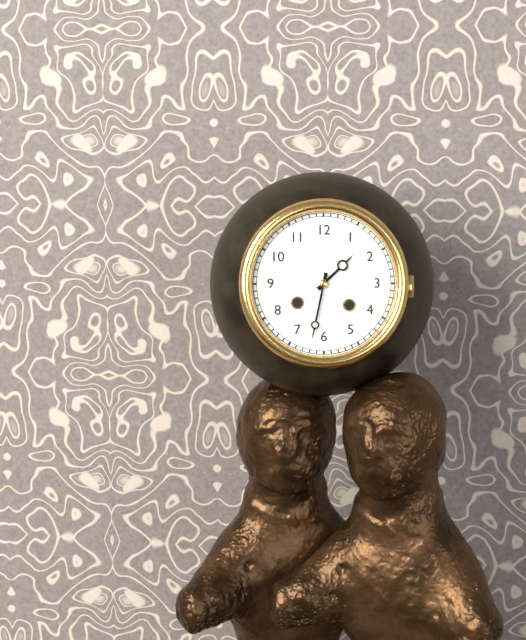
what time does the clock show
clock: 1:32
